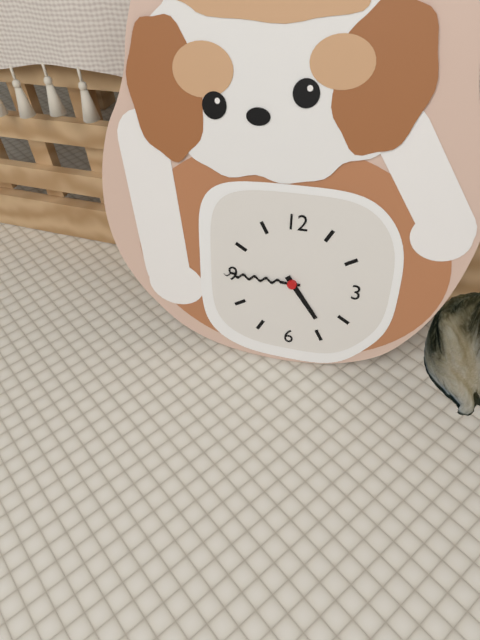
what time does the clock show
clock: 4:45
